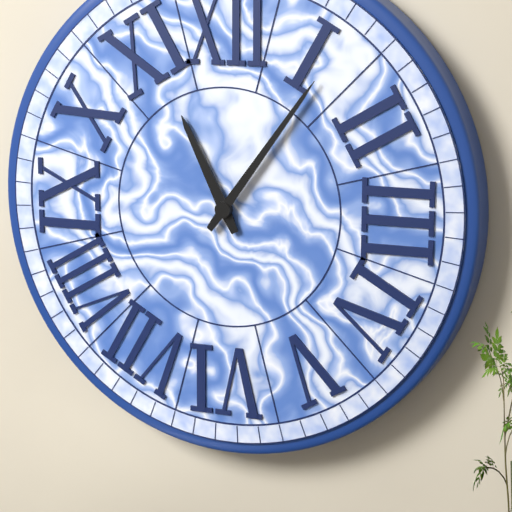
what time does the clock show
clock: 11:06
